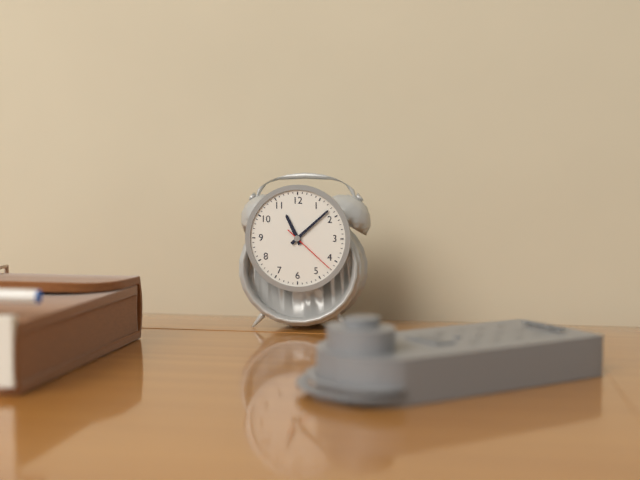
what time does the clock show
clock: 11:08:22
